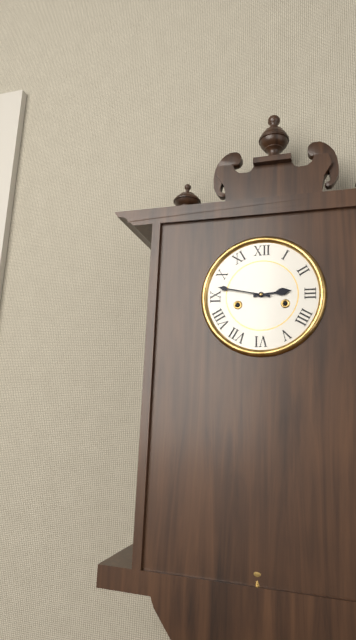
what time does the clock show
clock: 2:47
